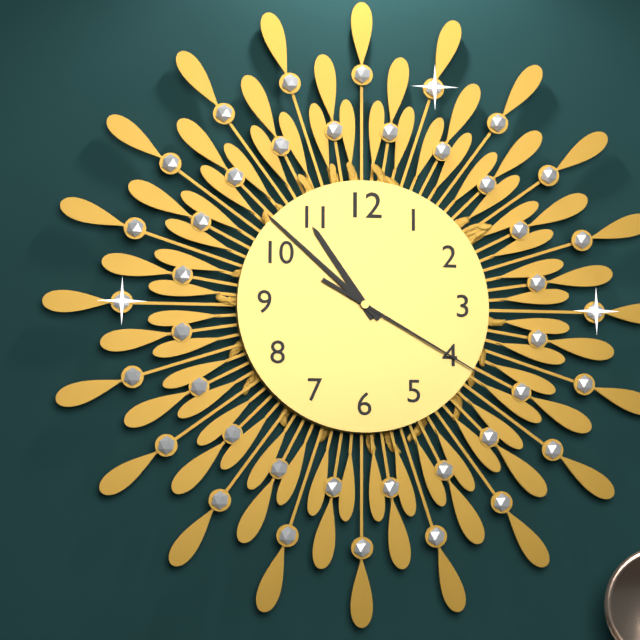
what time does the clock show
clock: 10:52:20
